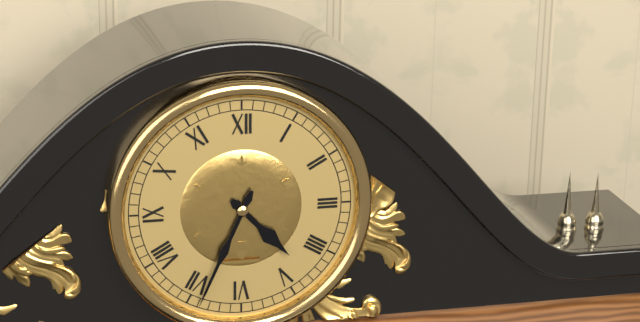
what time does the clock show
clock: 4:34
